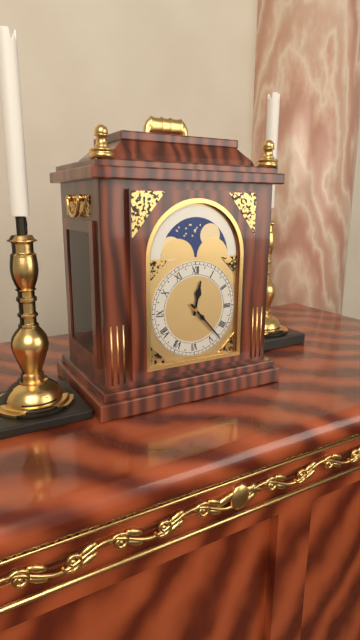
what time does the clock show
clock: 12:23
